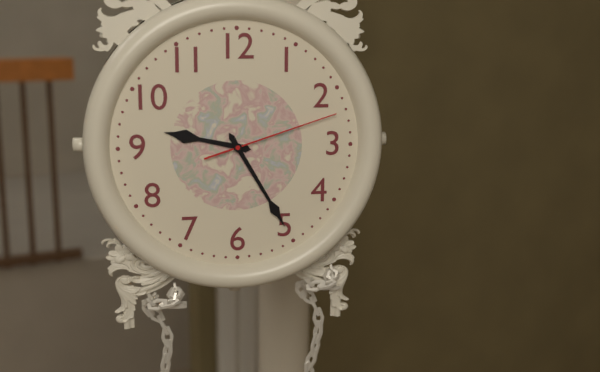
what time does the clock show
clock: 9:25:12
